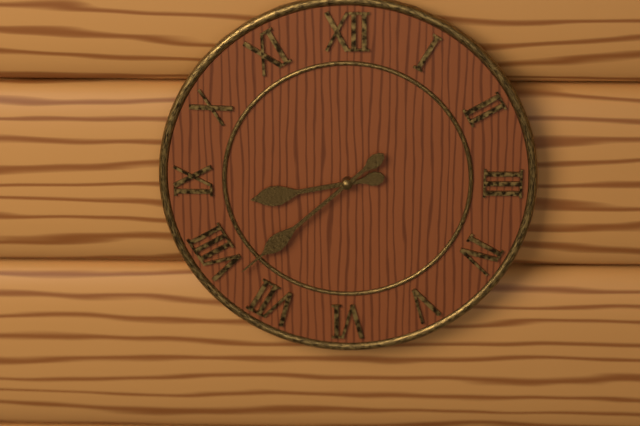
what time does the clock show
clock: 8:38
